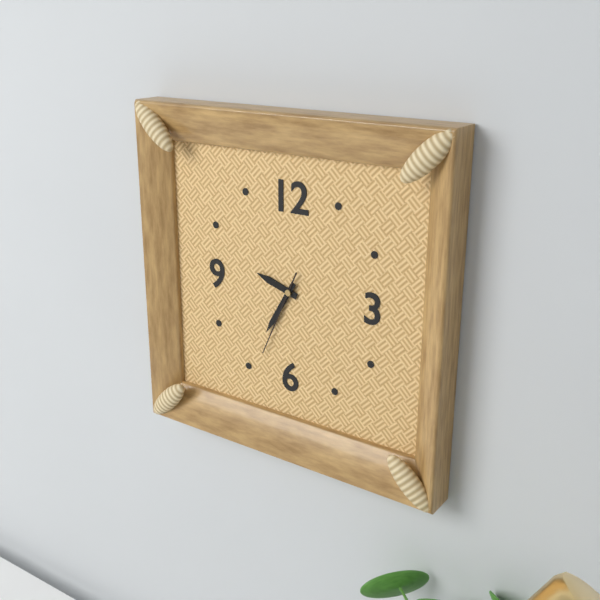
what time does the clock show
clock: 9:35:34
